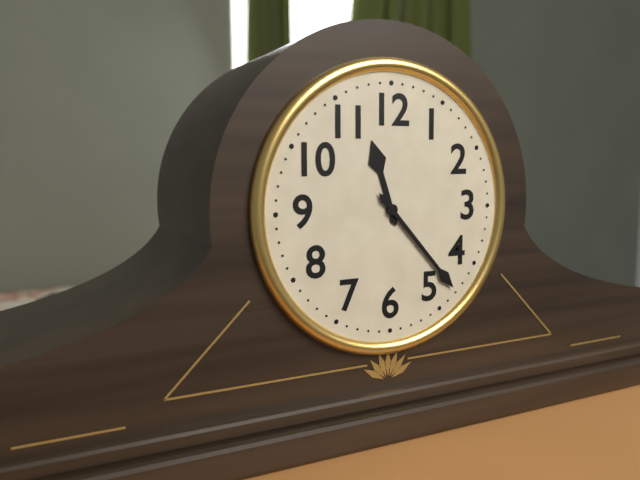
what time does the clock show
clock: 11:23
